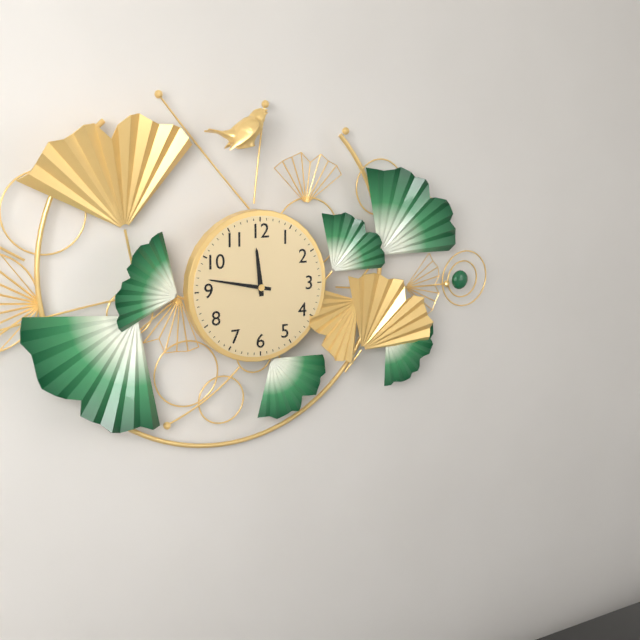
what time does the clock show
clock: 11:47
